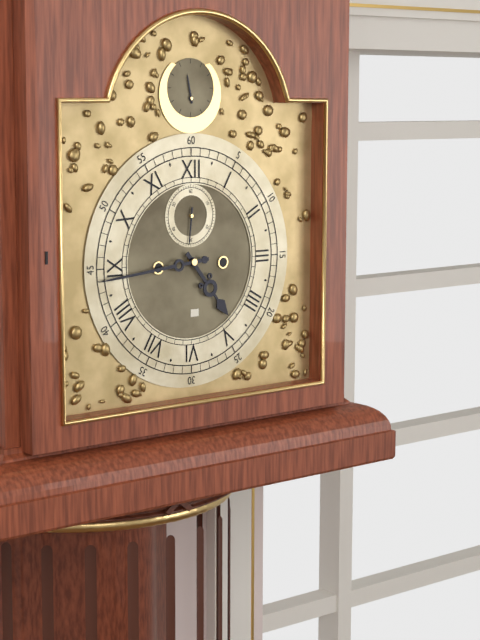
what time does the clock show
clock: 4:44
